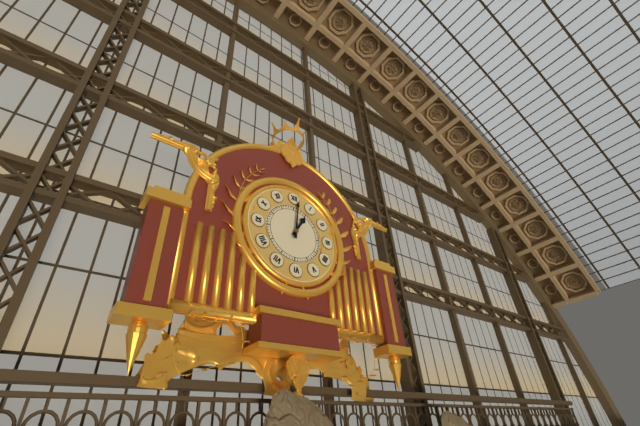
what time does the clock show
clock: 1:01
